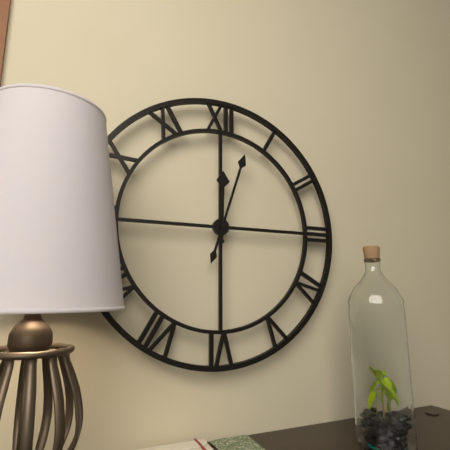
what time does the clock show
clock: 12:03
